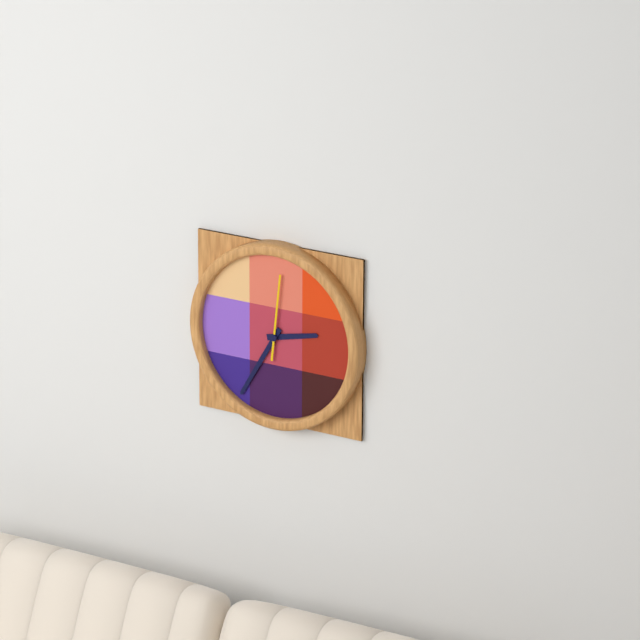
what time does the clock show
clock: 2:35:01
